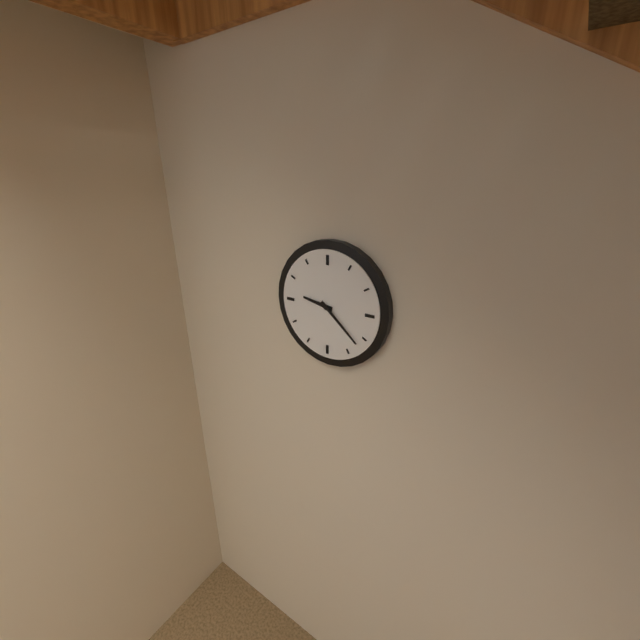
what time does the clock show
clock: 9:22
